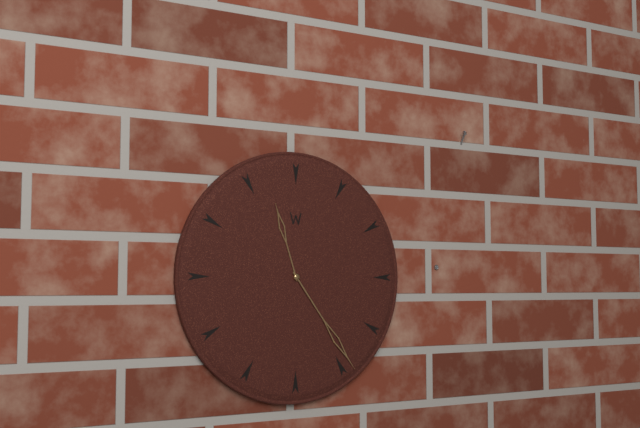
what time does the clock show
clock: 11:24
